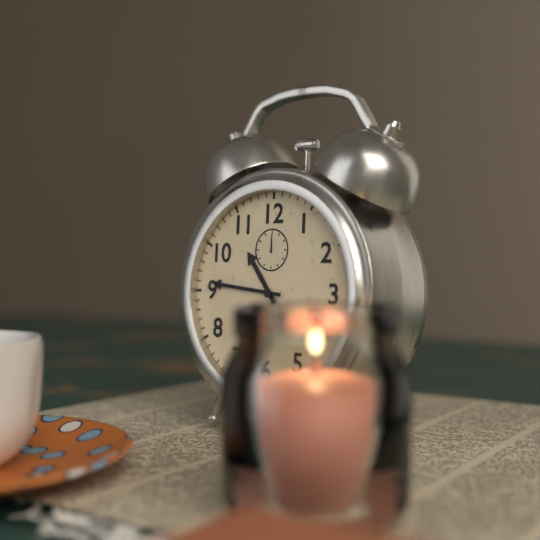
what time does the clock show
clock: 10:46
